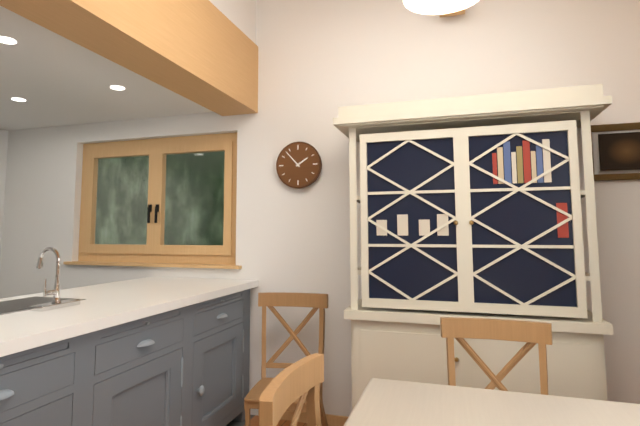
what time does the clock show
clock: 1:53
